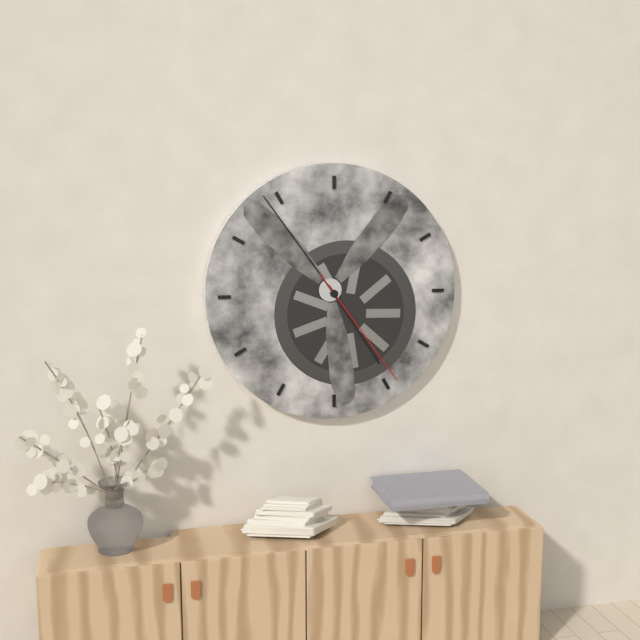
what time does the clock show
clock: 4:54:24
